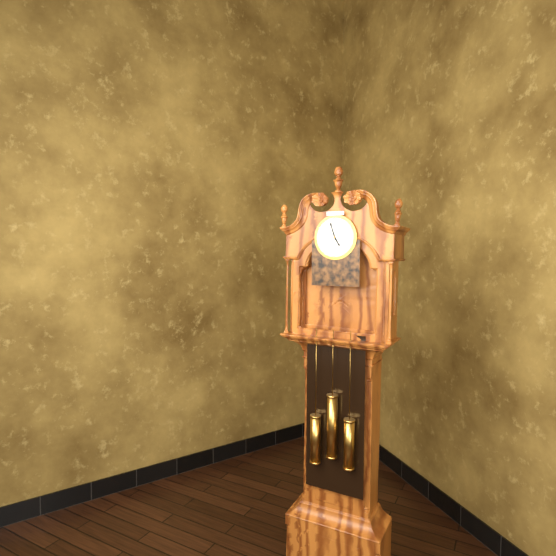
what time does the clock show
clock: 4:57
